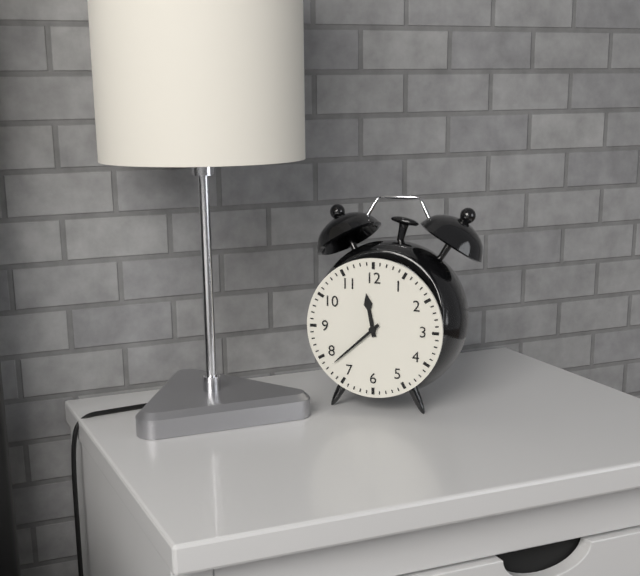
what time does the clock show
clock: 11:38
